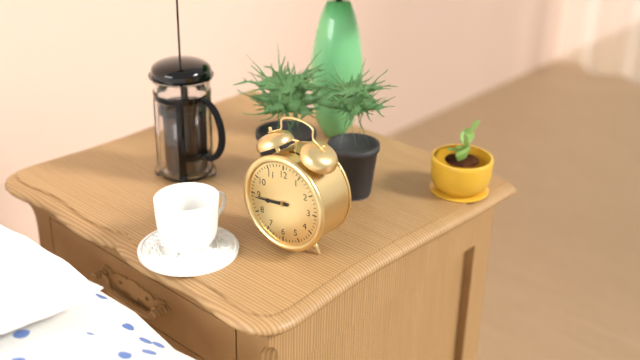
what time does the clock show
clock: 8:44
